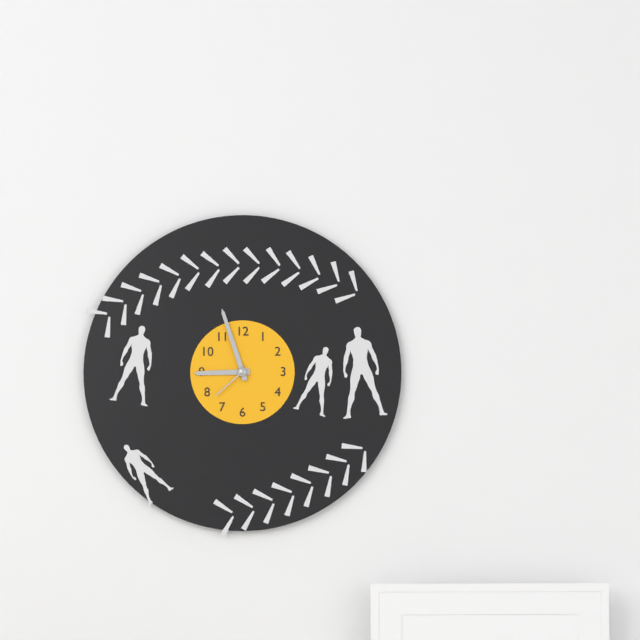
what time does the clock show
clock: 8:57
